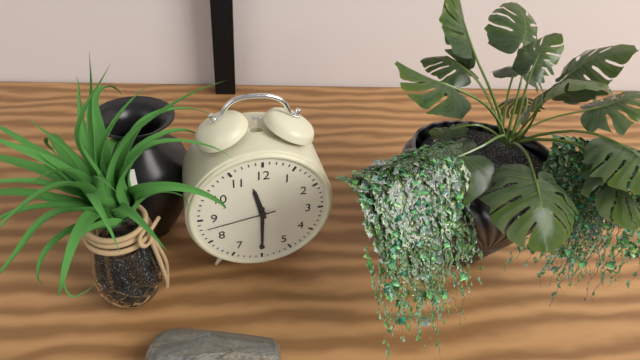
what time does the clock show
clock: 11:30:43
